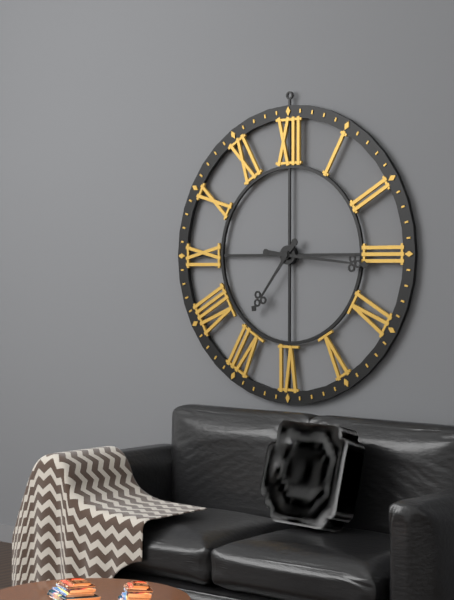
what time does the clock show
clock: 7:16
